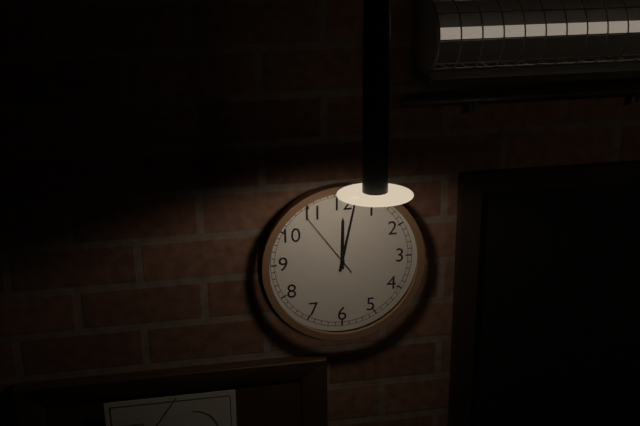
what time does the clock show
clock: 12:02:54
